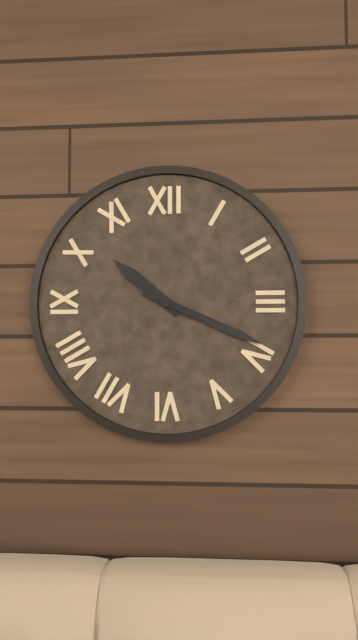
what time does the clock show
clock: 10:19
